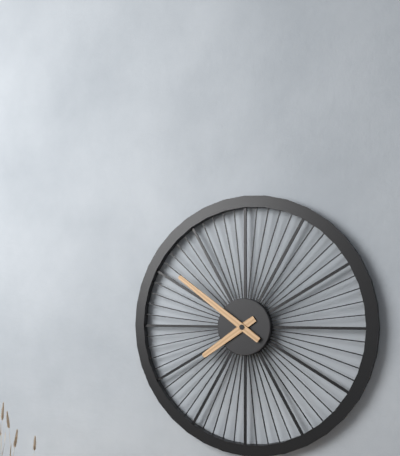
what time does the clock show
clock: 7:51
